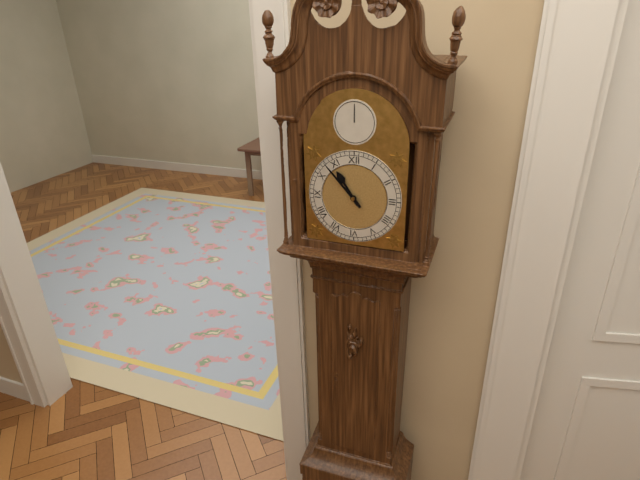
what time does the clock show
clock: 10:53
